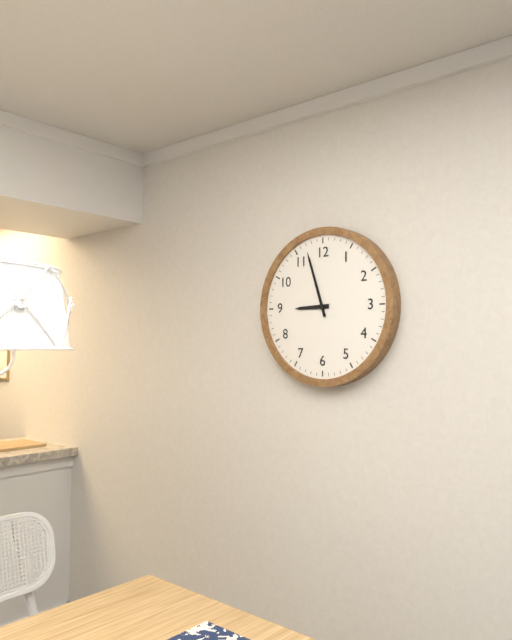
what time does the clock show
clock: 8:57
